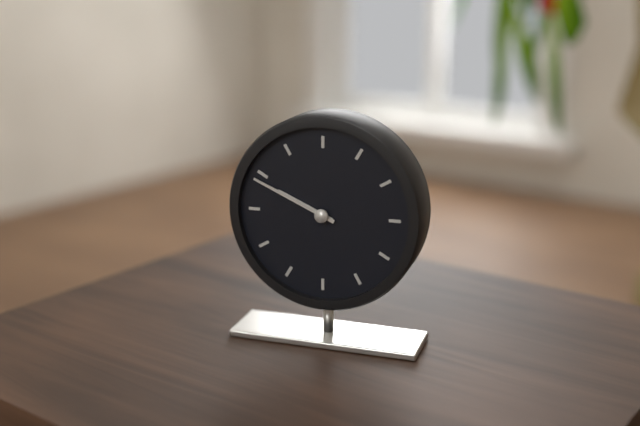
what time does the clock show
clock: 9:49
